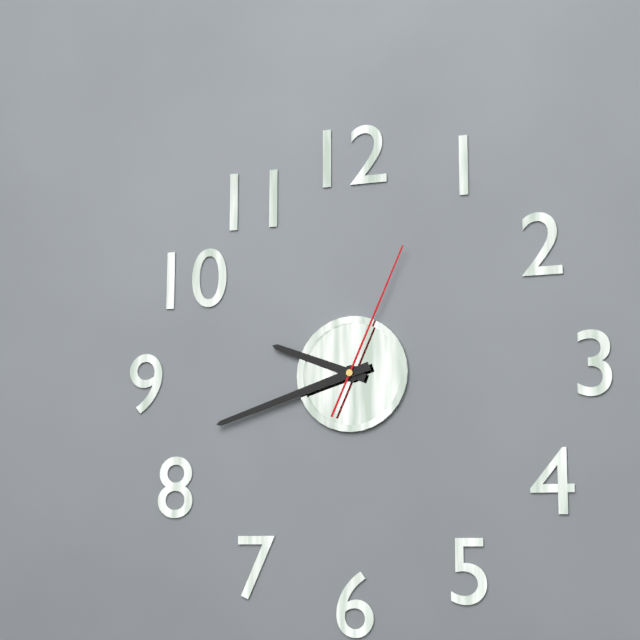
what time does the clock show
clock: 9:42:04
